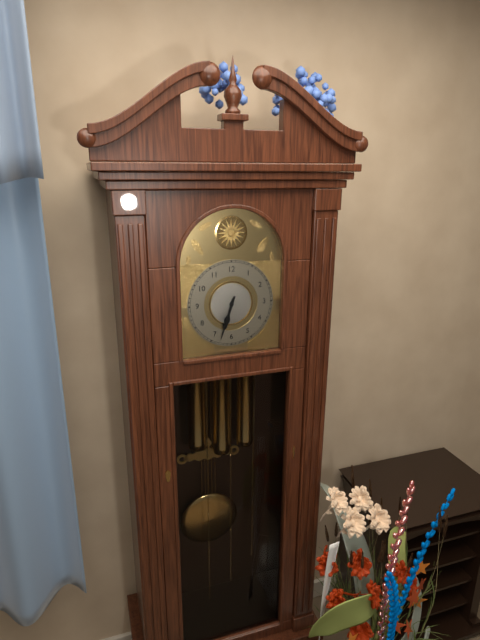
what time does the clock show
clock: 6:33
